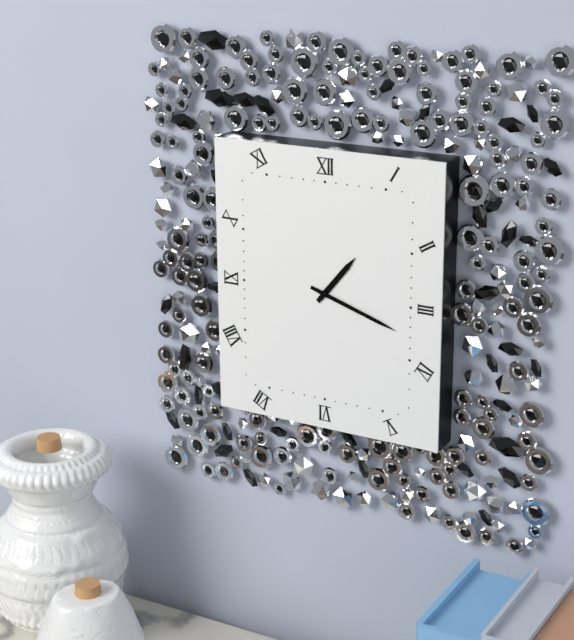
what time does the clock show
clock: 1:18
